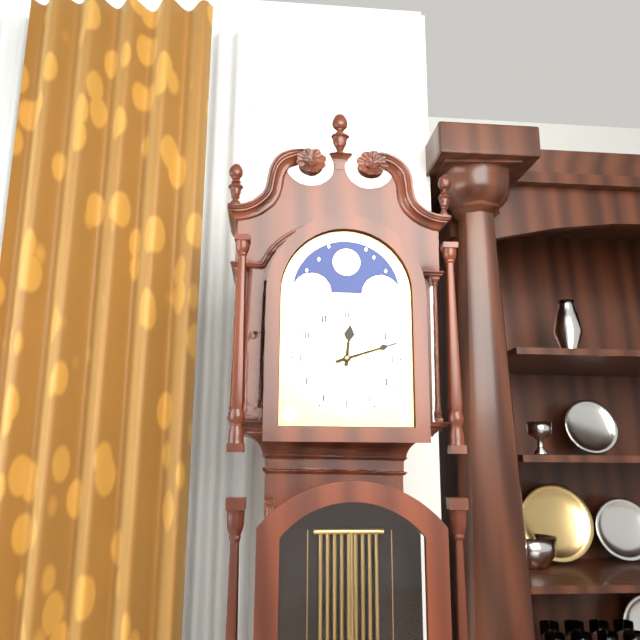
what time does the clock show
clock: 12:12
